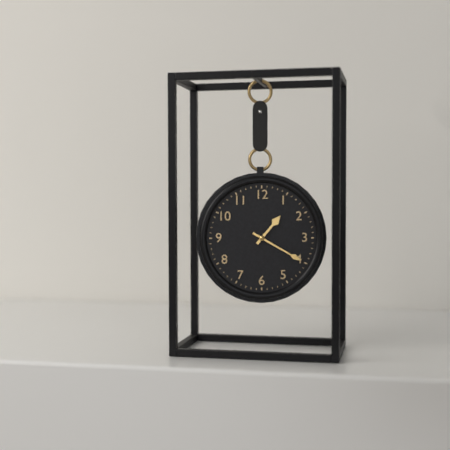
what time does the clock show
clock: 1:20
